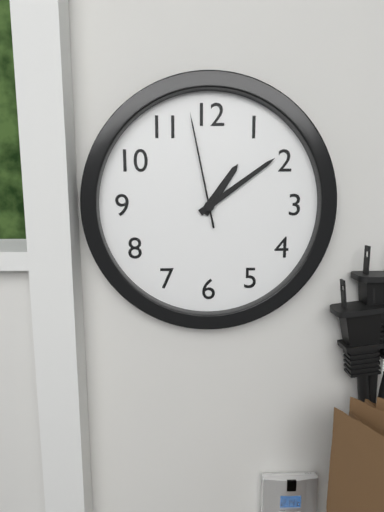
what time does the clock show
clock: 1:09:58
